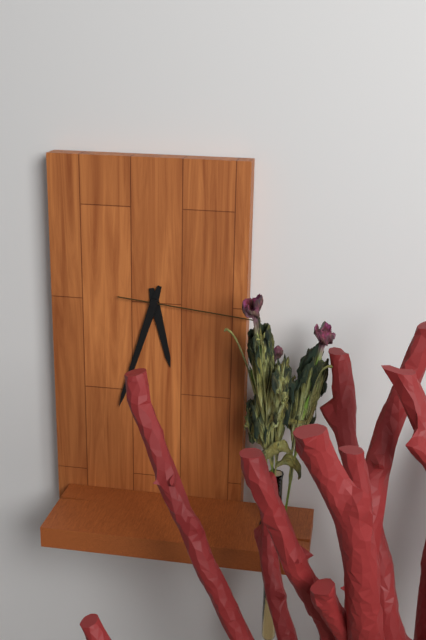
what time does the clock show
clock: 5:33:16
